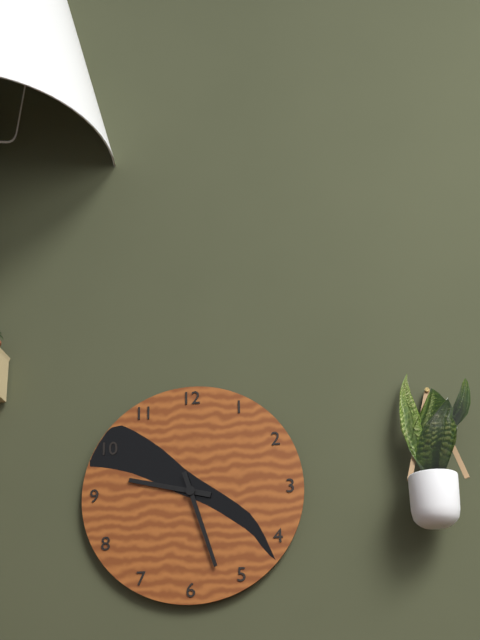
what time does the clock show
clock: 9:27
